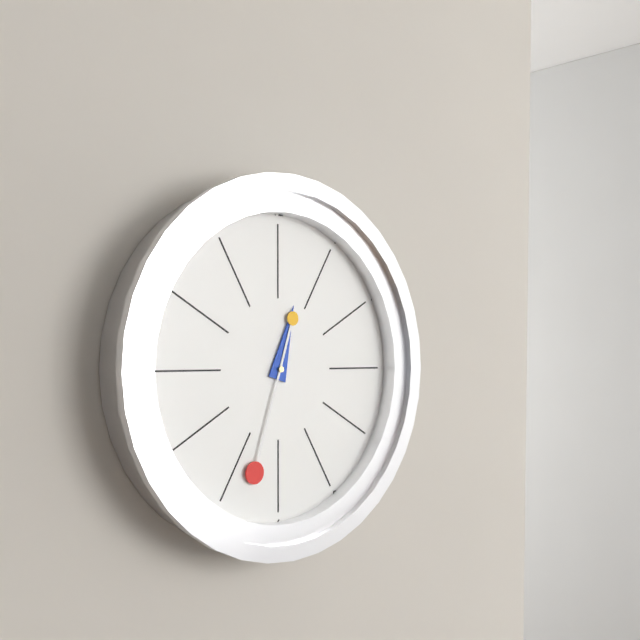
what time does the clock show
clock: 12:33
